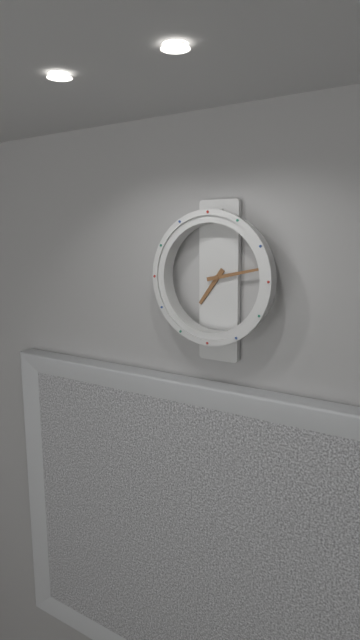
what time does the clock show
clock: 7:13
